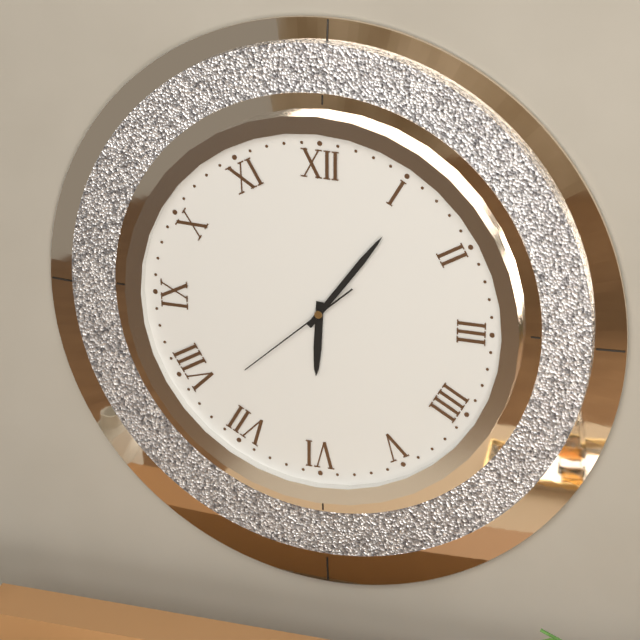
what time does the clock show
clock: 6:06:38
